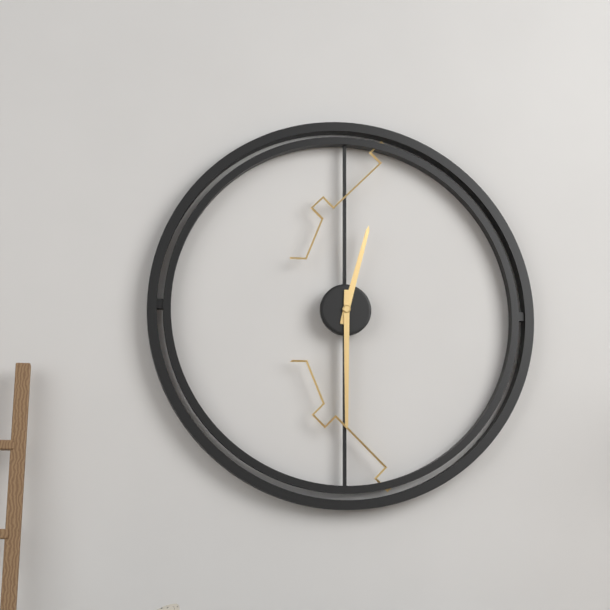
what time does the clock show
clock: 12:30
